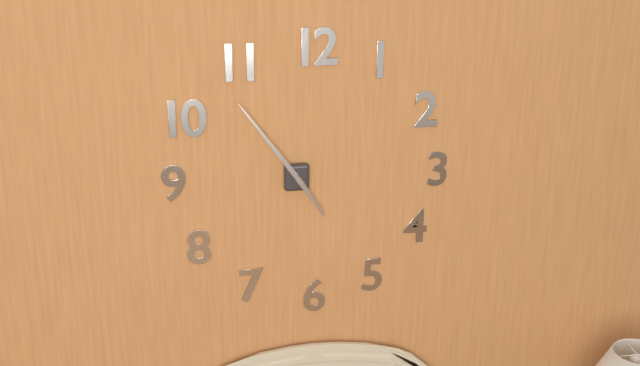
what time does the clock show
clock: 4:54
